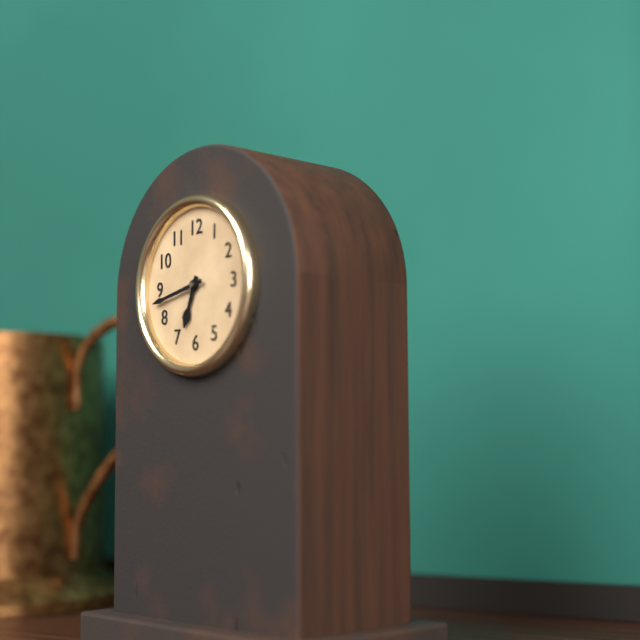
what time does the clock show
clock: 6:43
